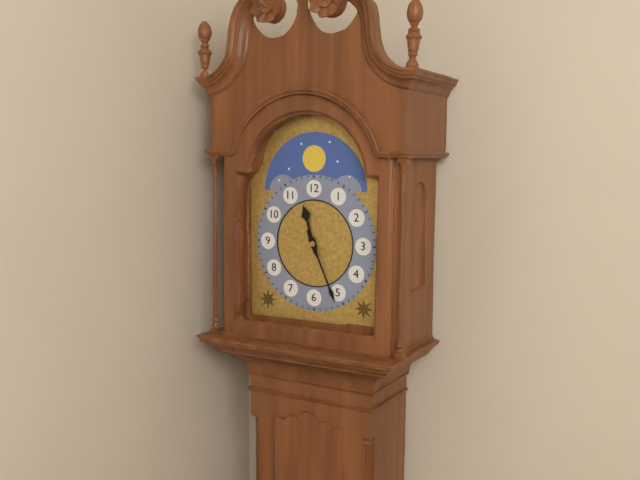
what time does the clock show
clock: 11:26
